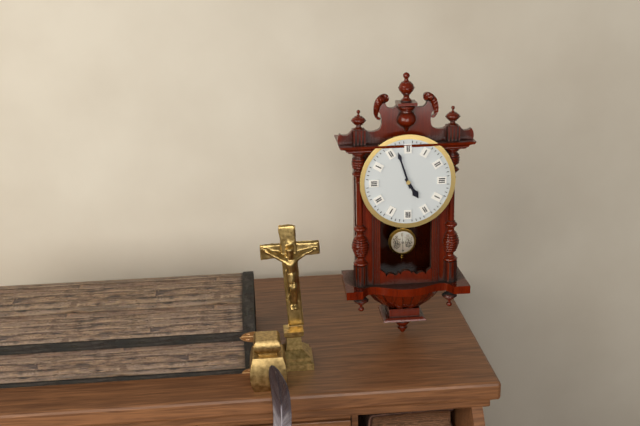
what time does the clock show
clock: 4:57
